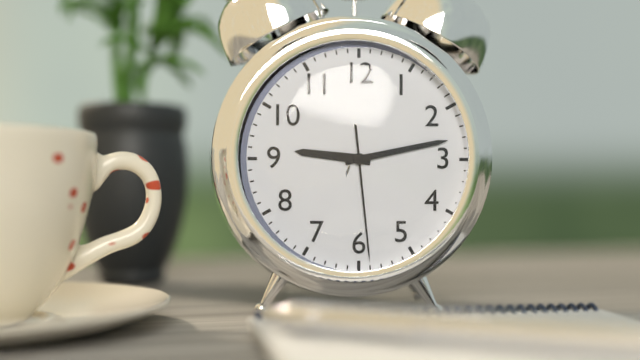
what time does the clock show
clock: 9:13:29
